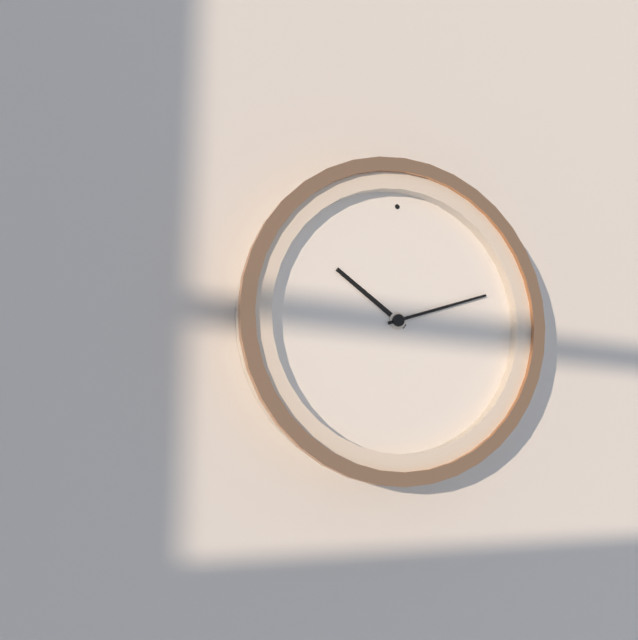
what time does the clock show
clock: 10:12
